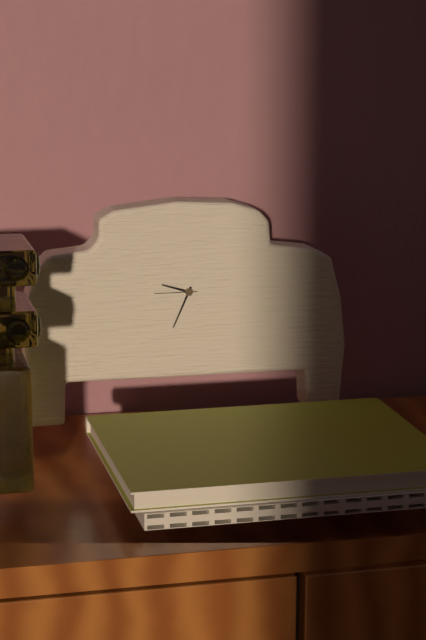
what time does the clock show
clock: 9:34
